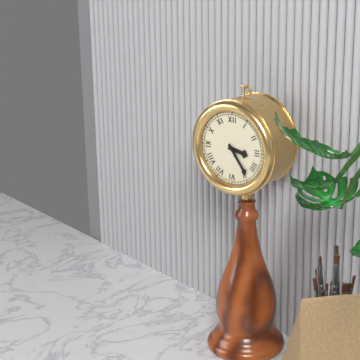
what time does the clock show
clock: 3:24
